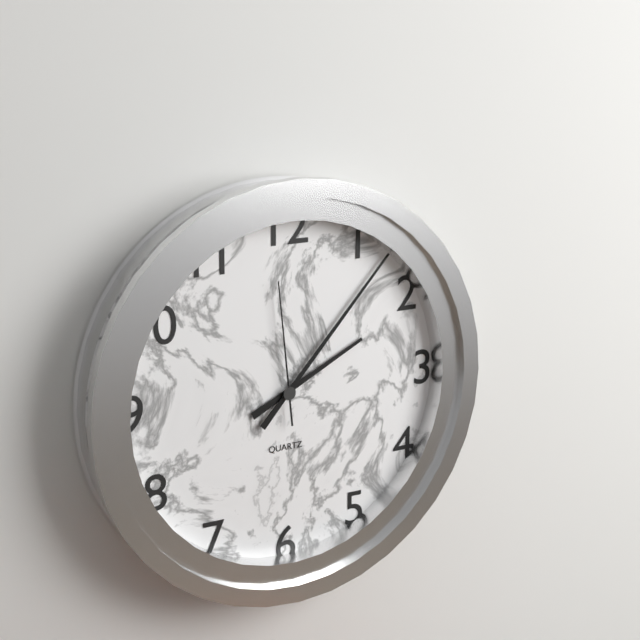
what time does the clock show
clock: 2:07:59
